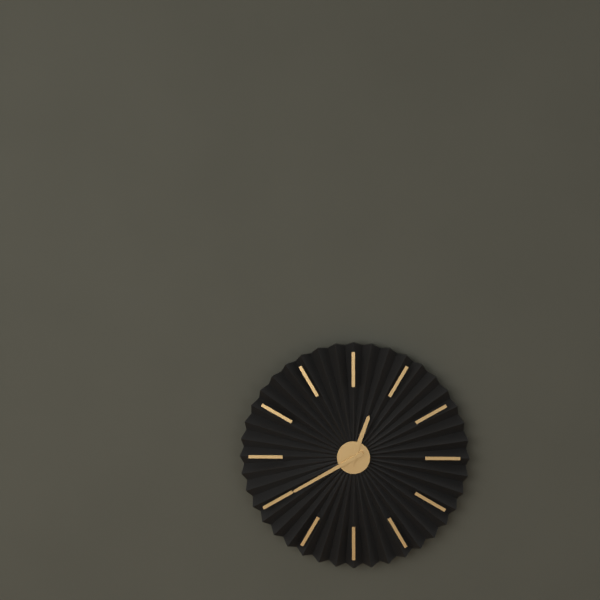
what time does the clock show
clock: 12:40
